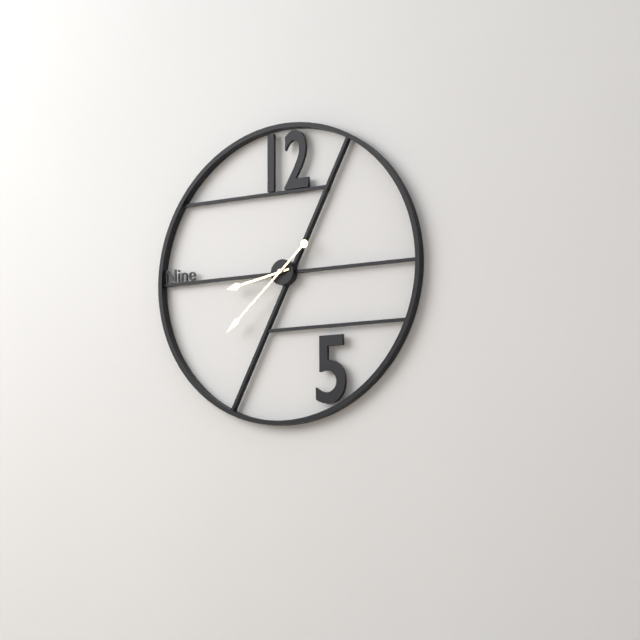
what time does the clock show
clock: 8:38
